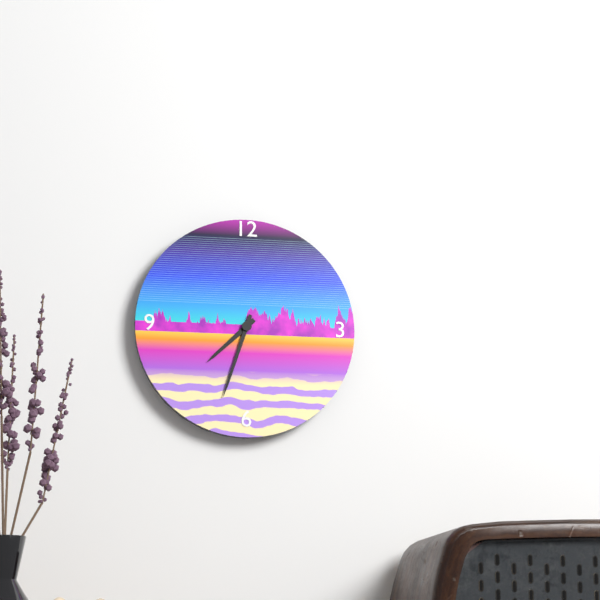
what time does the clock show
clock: 7:33
